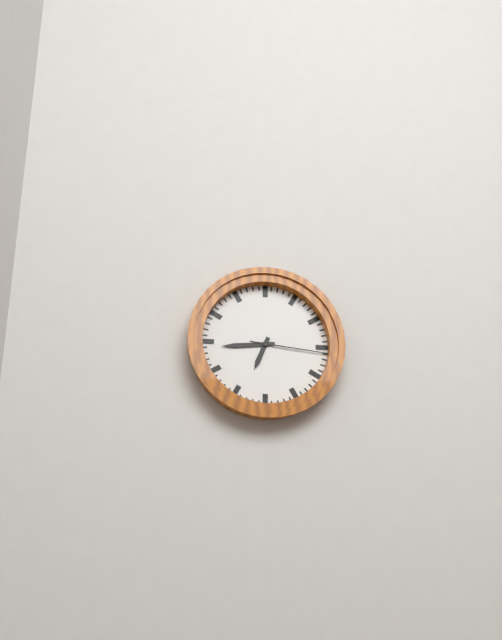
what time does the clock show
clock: 6:44:16
